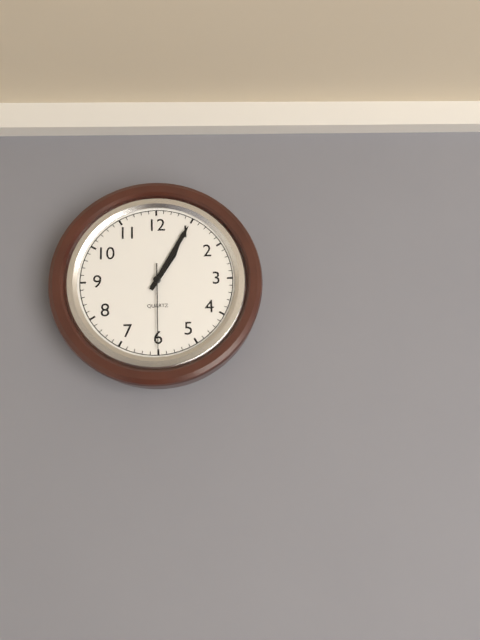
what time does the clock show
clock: 1:05:30
